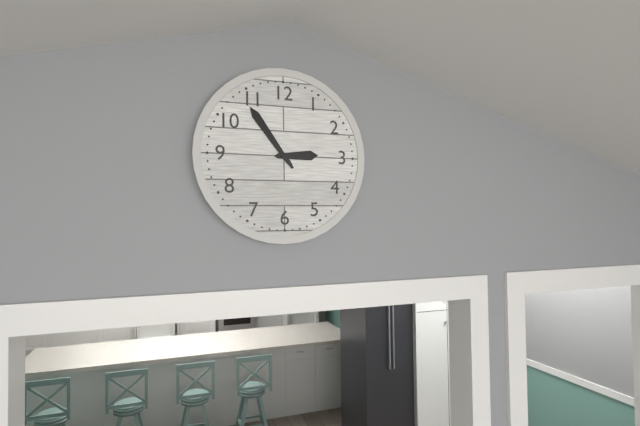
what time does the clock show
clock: 2:54
